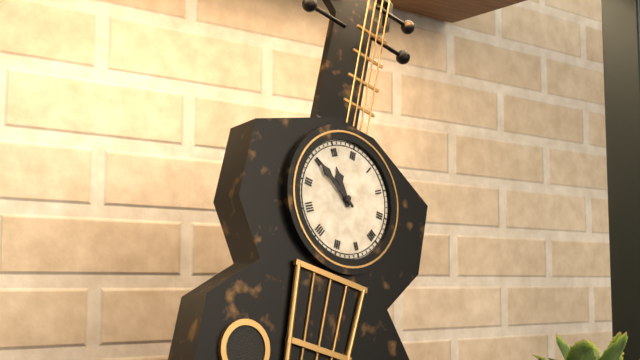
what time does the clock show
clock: 10:50
